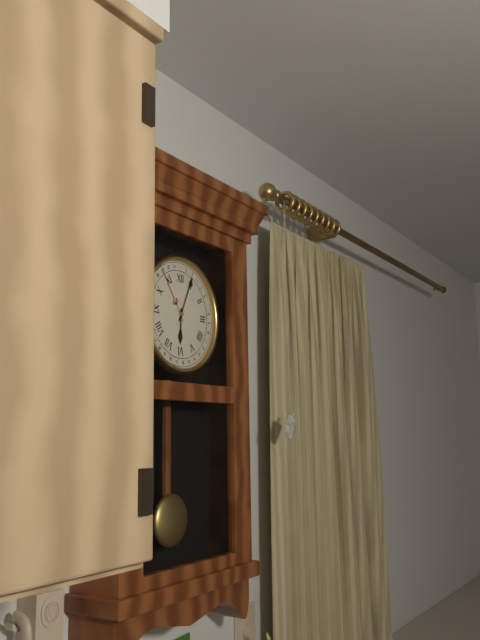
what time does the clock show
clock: 6:04
